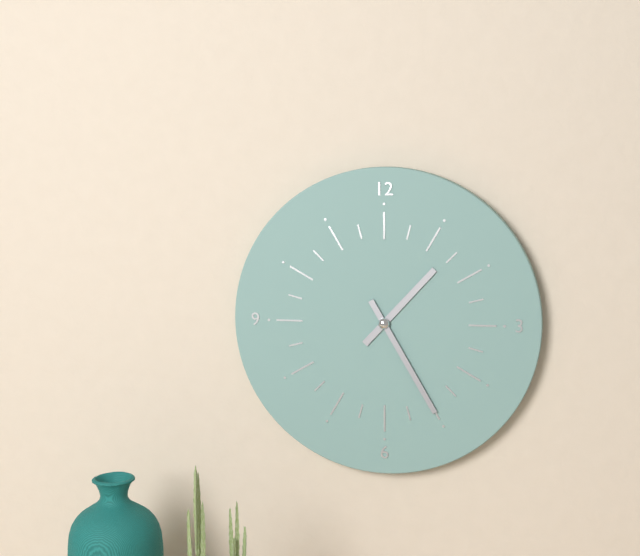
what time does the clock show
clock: 1:25
